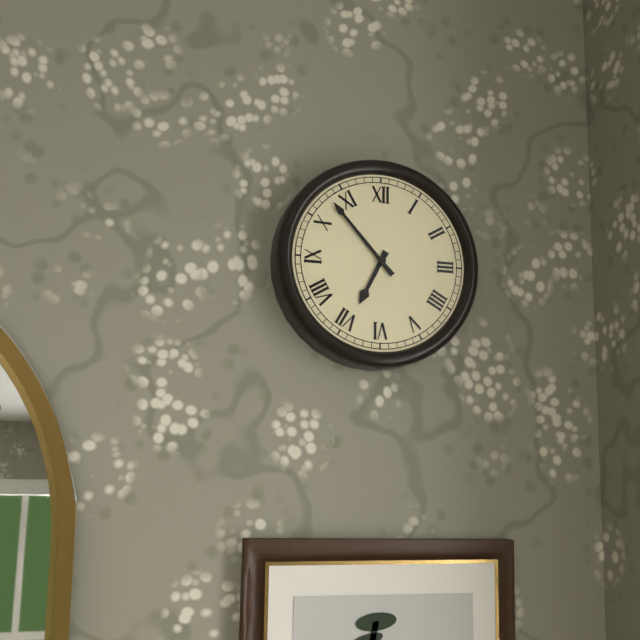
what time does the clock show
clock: 6:53
